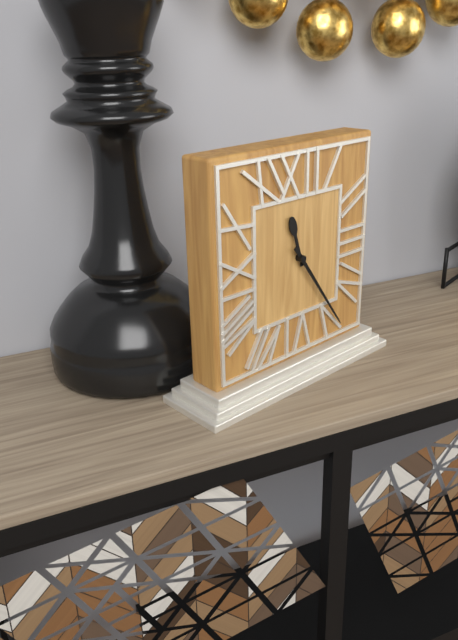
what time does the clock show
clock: 11:24
